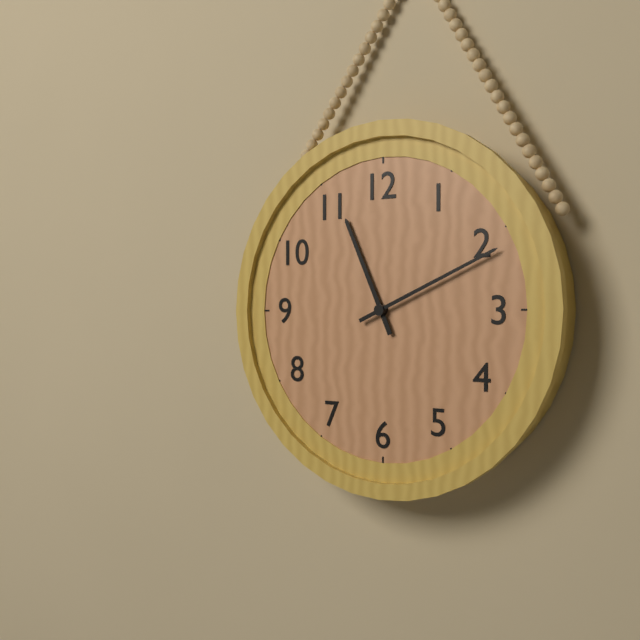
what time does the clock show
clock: 11:11
